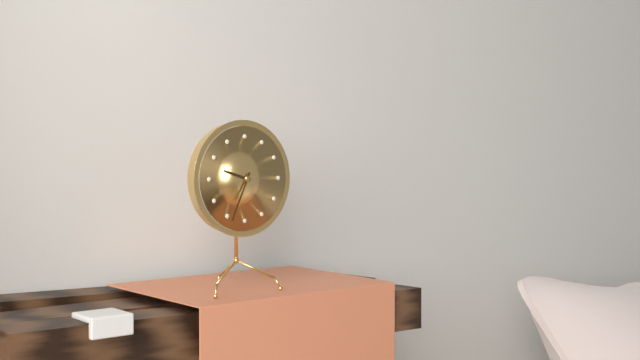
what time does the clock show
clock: 9:34
